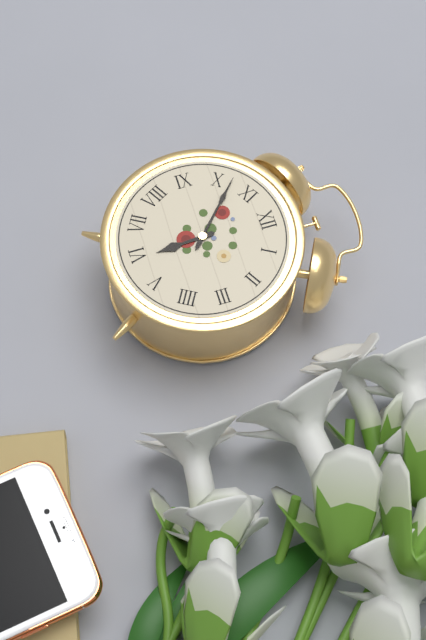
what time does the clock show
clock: 5:52
